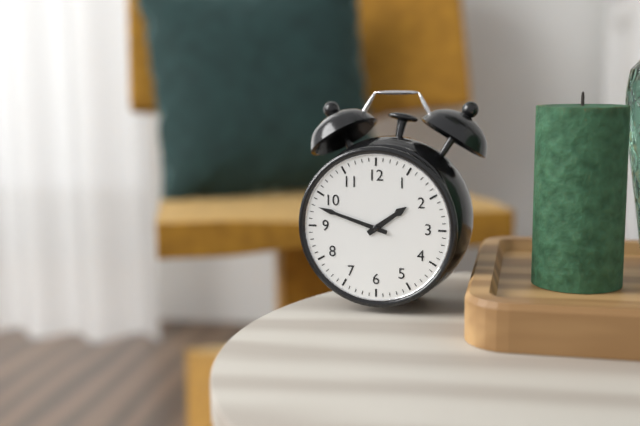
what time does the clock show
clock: 1:48
